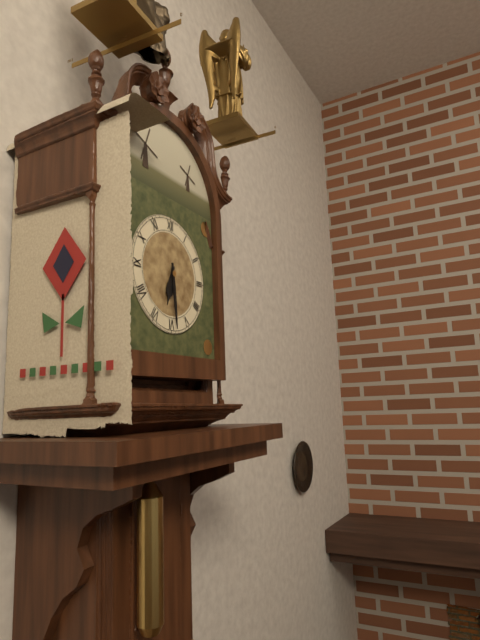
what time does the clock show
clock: 6:29
